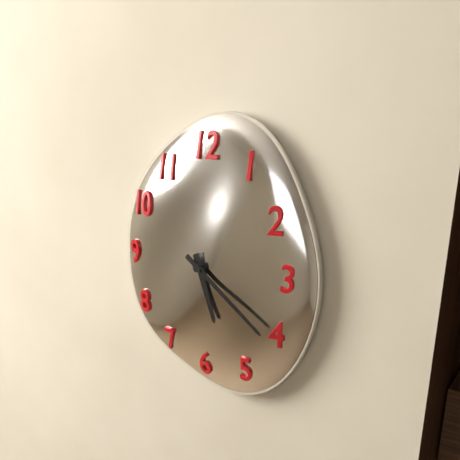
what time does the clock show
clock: 5:21
